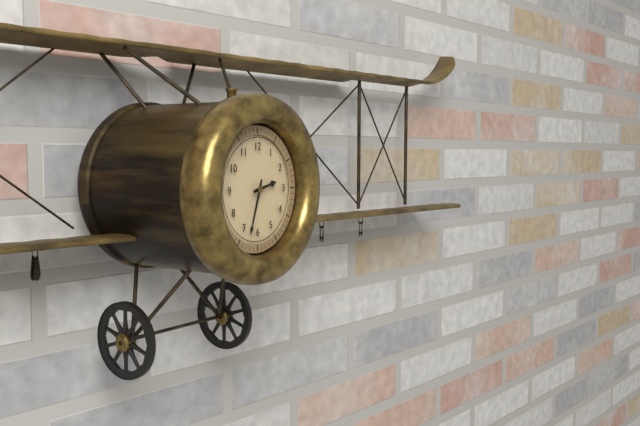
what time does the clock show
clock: 2:33
